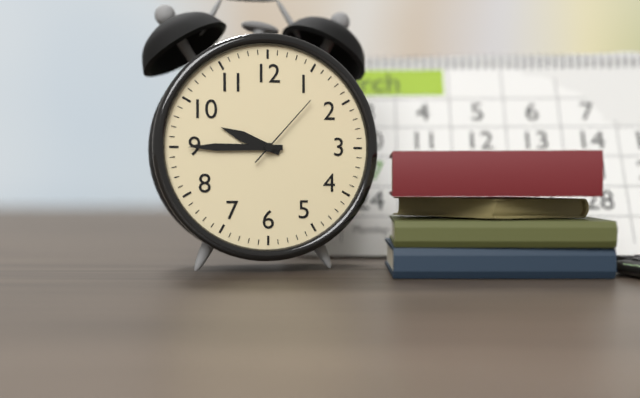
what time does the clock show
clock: 9:45:07
